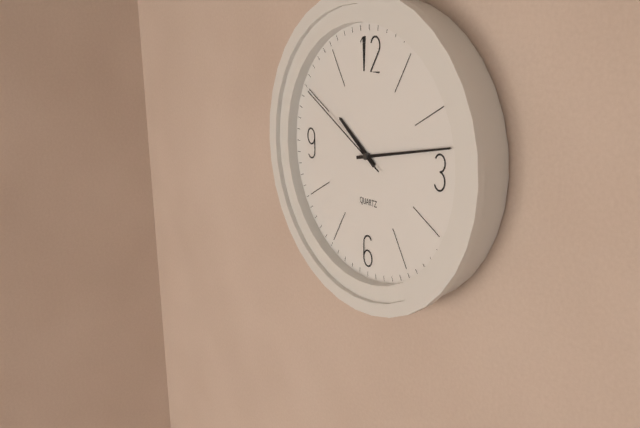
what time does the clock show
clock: 10:13:50
